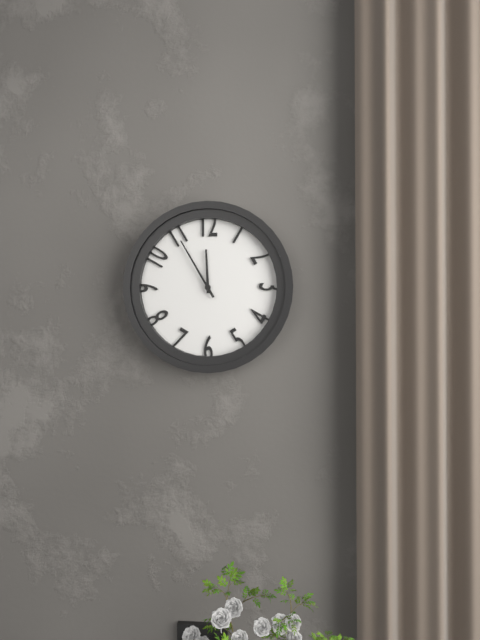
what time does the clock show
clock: 11:55
